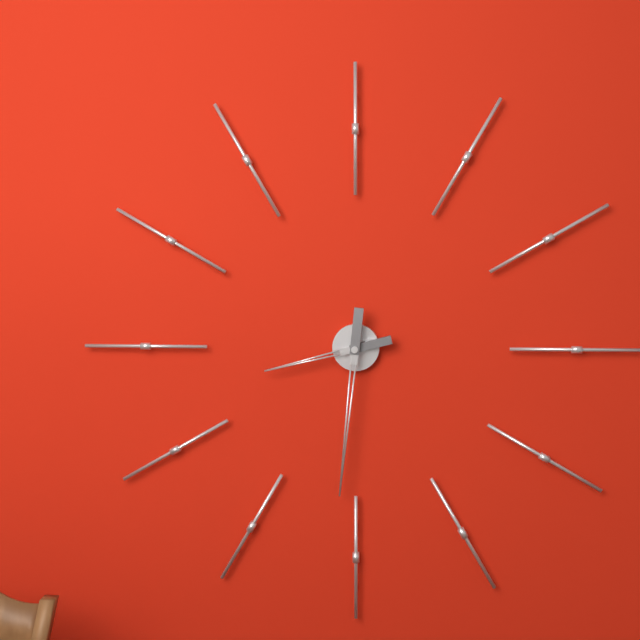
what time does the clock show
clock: 8:31
